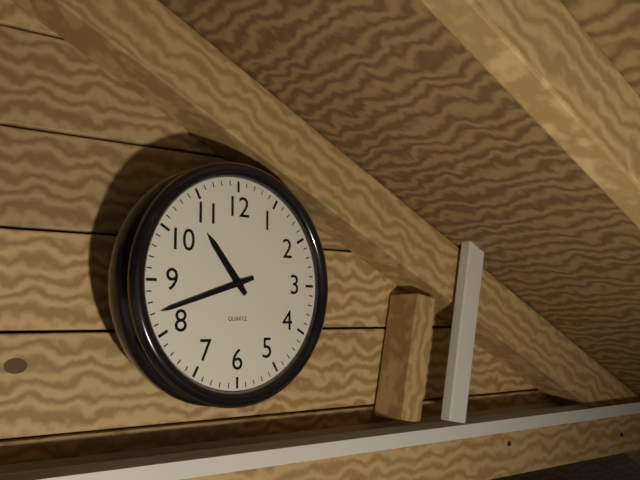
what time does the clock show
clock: 10:42
